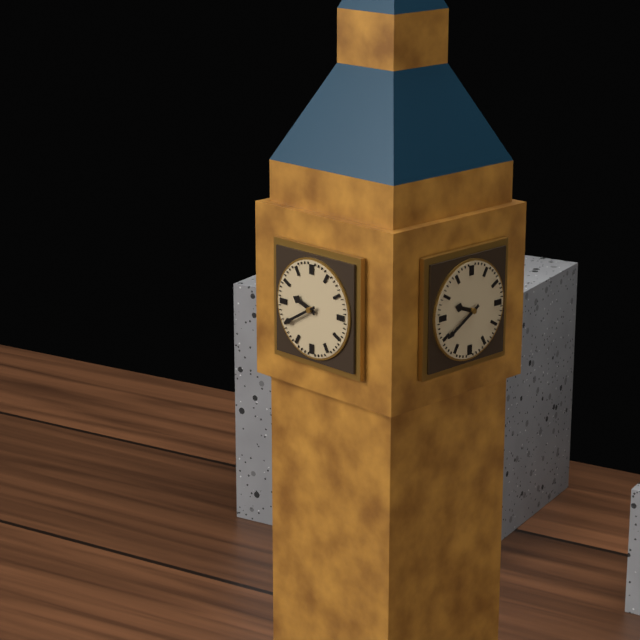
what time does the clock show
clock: 9:40
